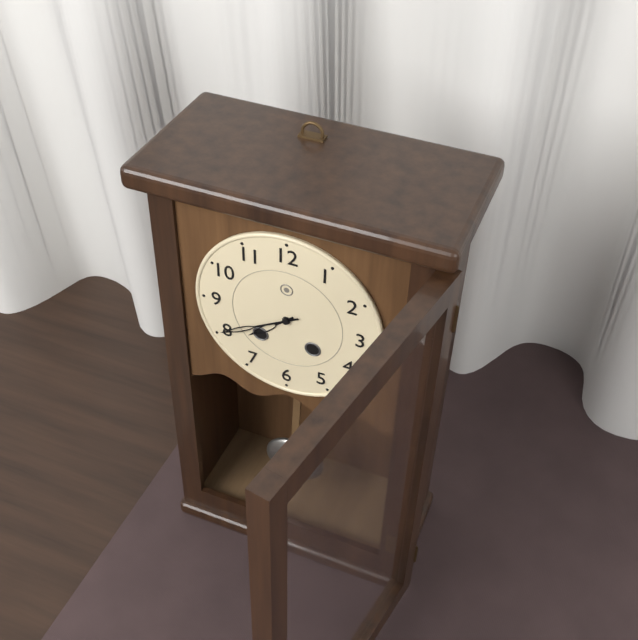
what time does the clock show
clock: 7:40
